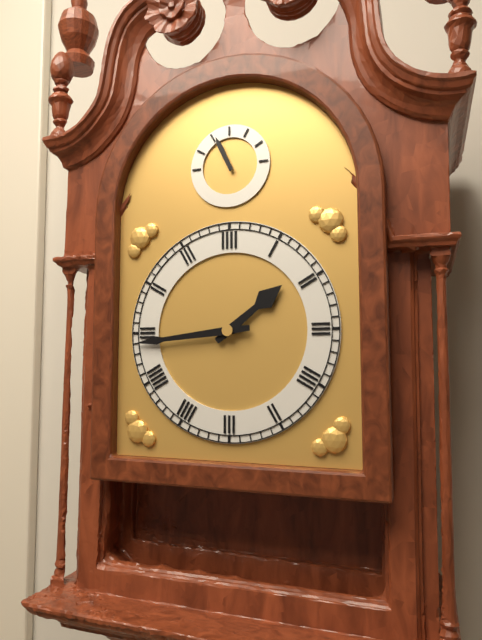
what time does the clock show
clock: 1:44
